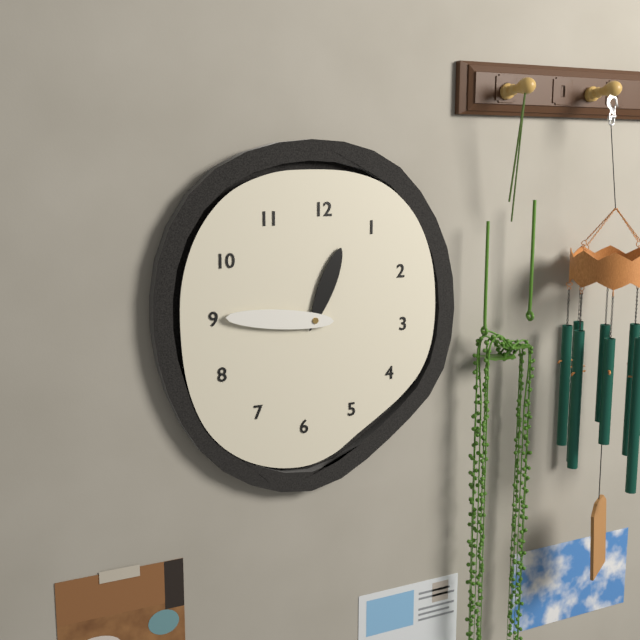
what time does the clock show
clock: 12:46
